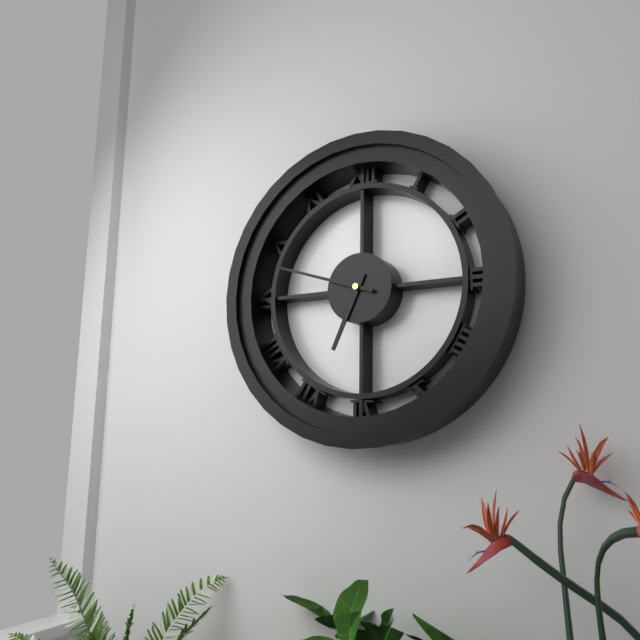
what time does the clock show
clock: 6:48
